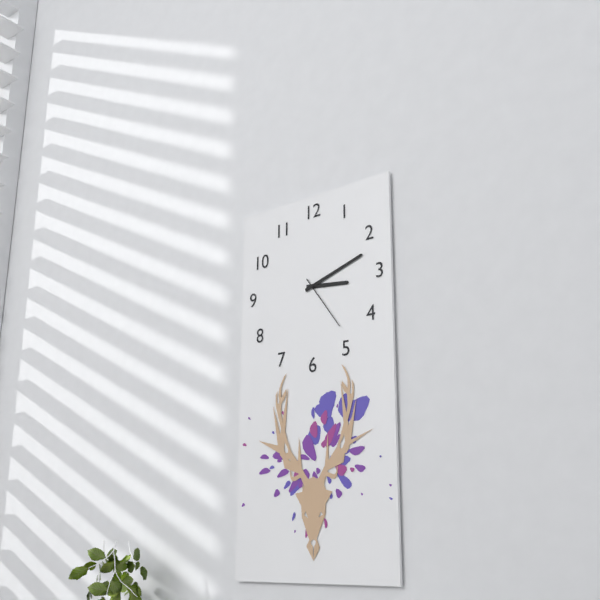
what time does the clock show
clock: 3:12:24
